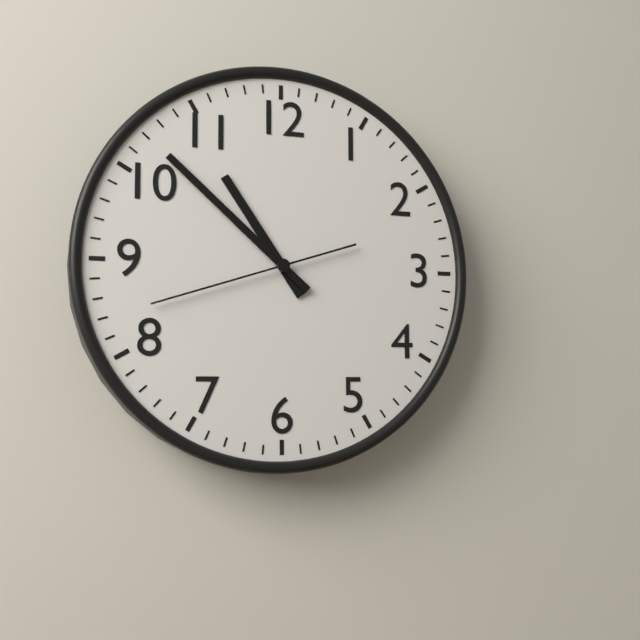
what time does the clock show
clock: 10:52:42
